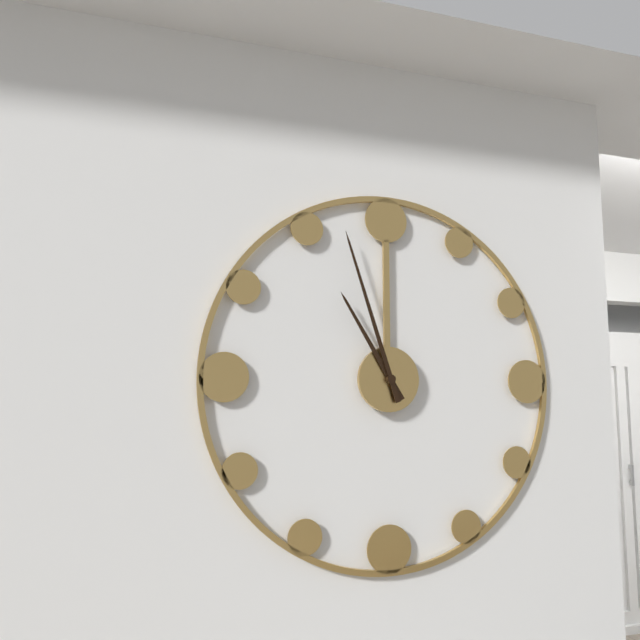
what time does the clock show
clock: 10:57
